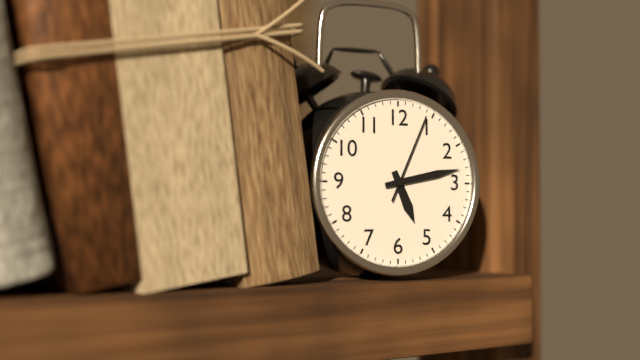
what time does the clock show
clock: 5:13:04
